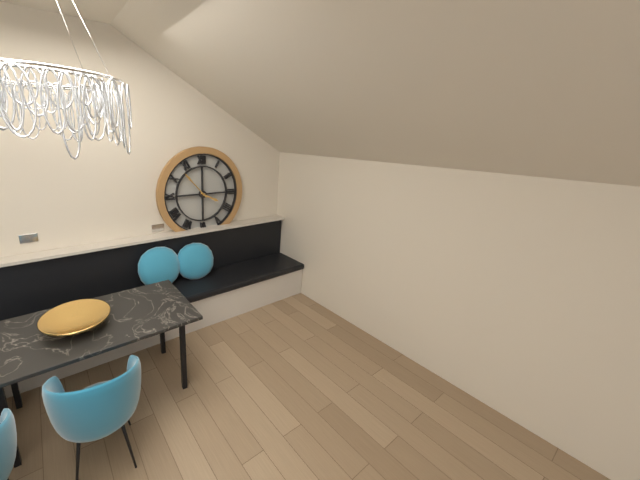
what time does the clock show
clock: 3:53
